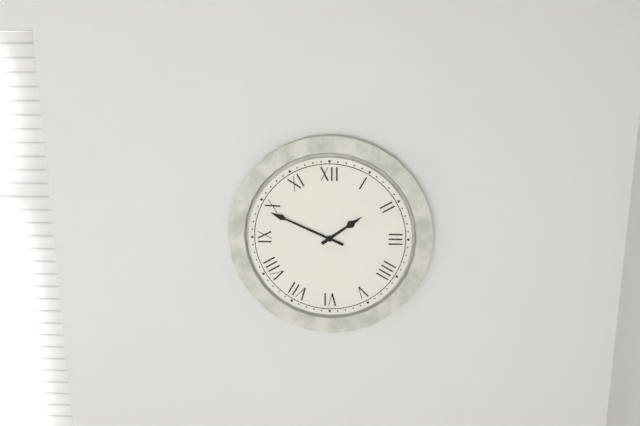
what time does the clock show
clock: 1:49
